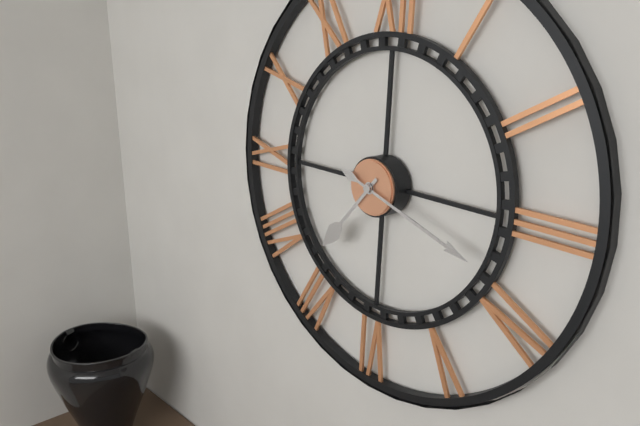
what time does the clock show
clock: 7:18
